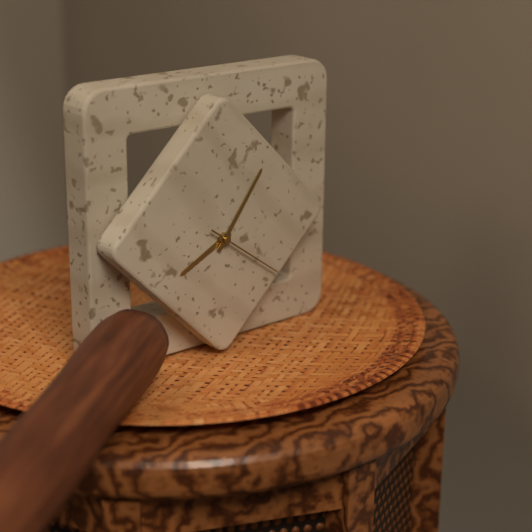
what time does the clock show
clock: 8:06:21
